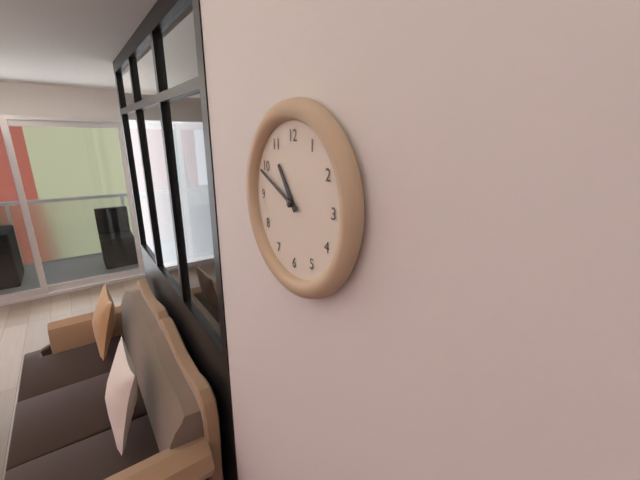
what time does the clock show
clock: 10:49
